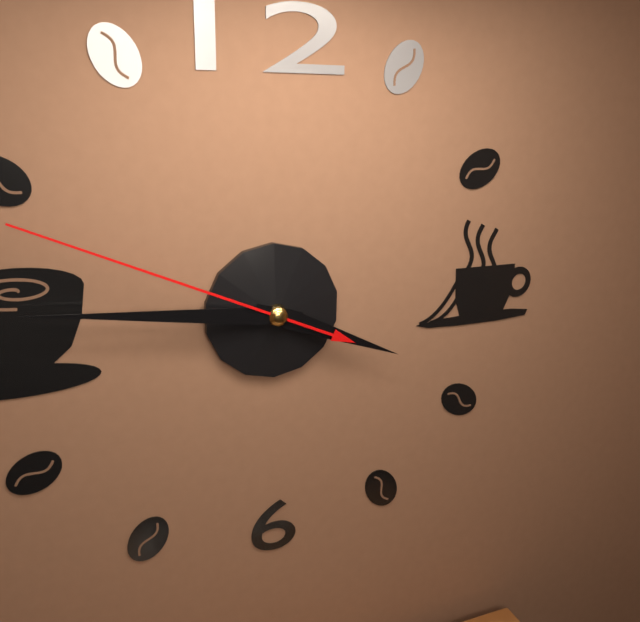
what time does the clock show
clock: 3:46:49
